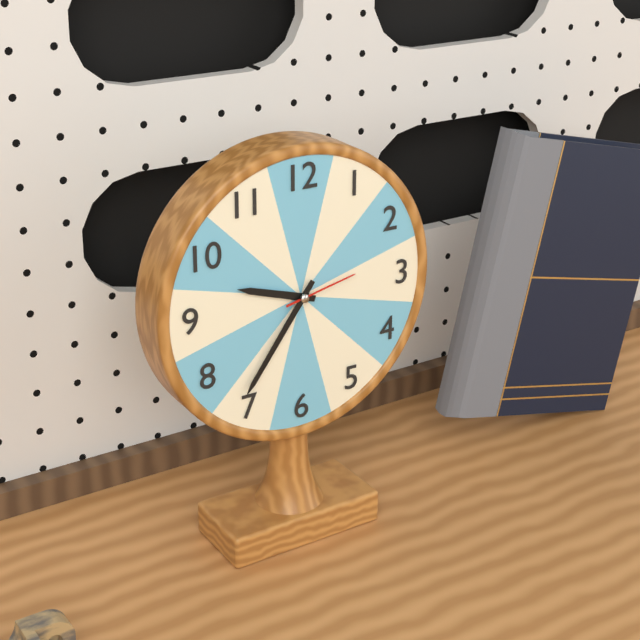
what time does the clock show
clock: 9:36:13
